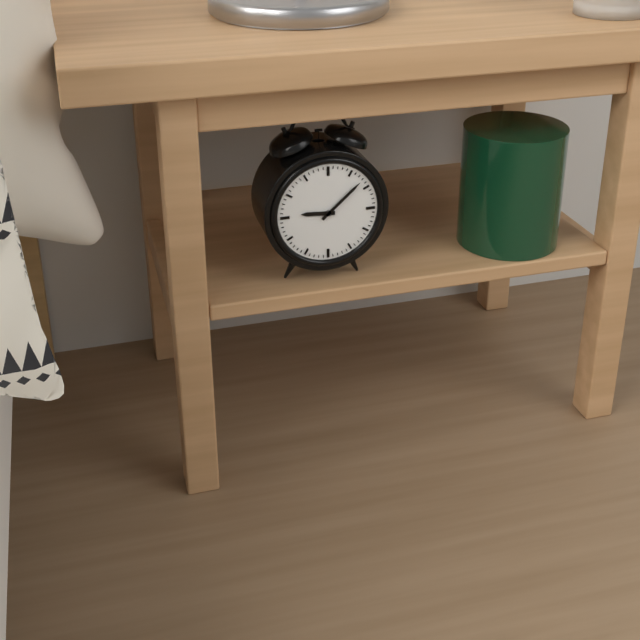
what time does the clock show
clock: 9:08
